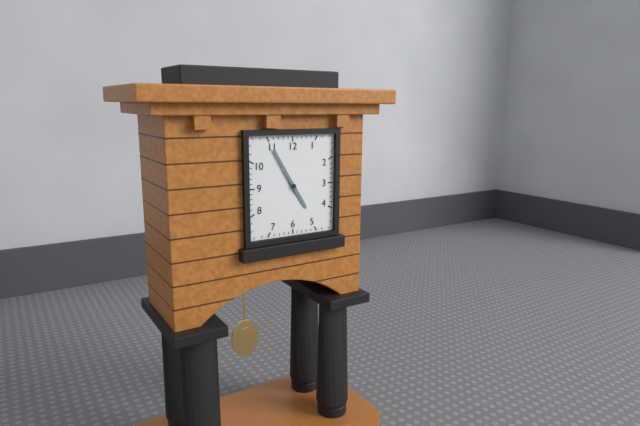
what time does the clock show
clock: 4:55
